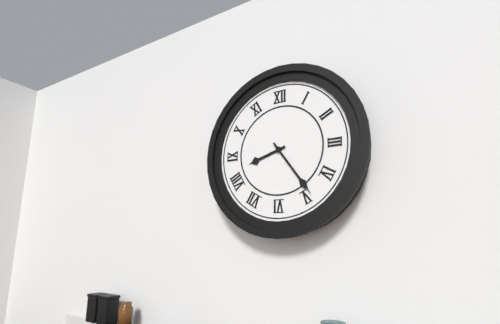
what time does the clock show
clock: 8:24
